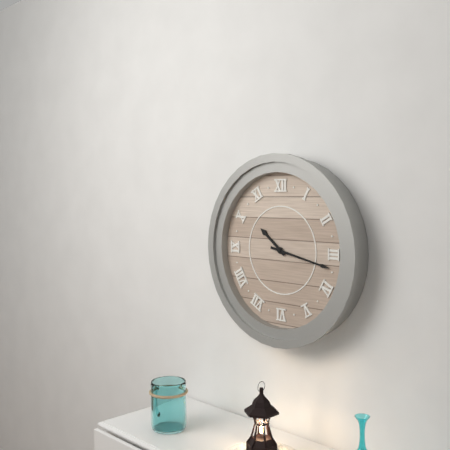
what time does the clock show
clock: 10:17
